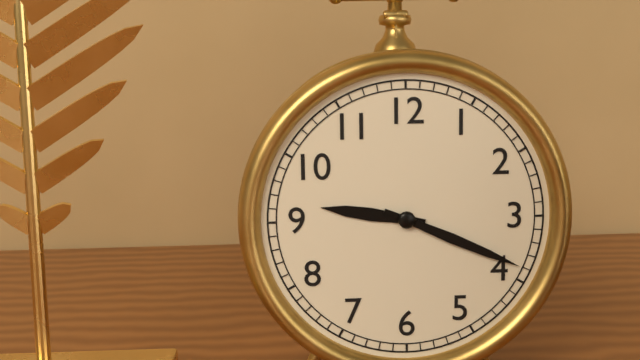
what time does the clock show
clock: 9:19
